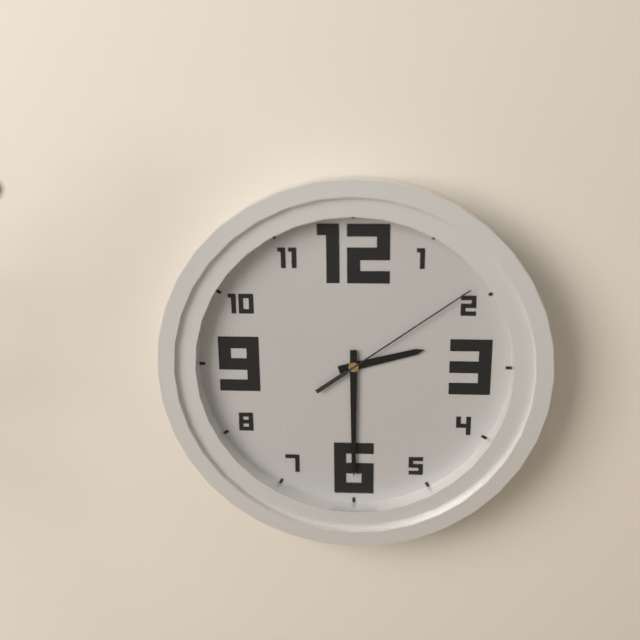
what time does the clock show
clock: 2:30:09
